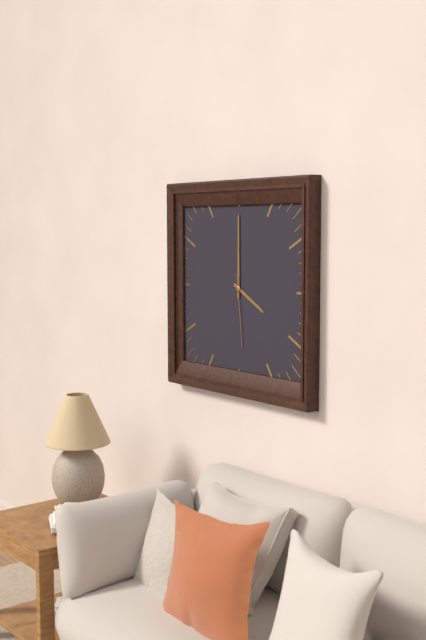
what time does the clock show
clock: 4:00:29
